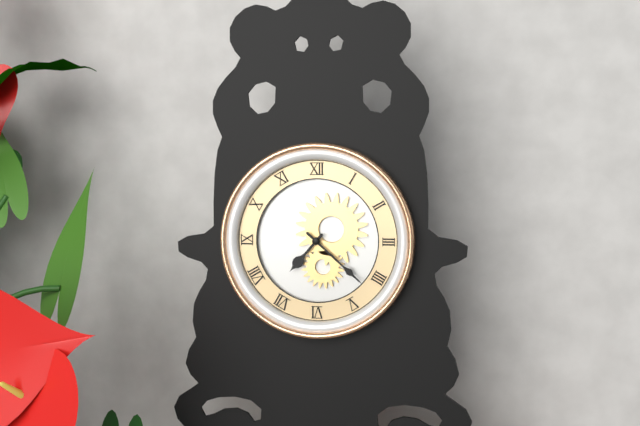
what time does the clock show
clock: 7:22
